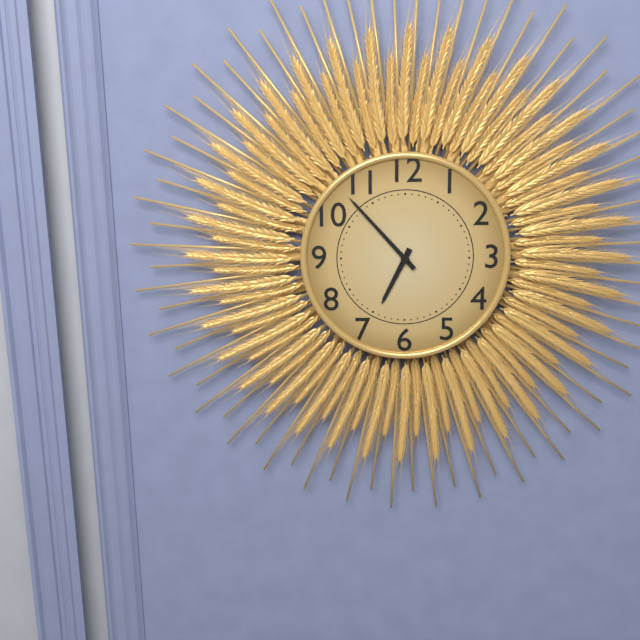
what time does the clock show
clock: 6:53
